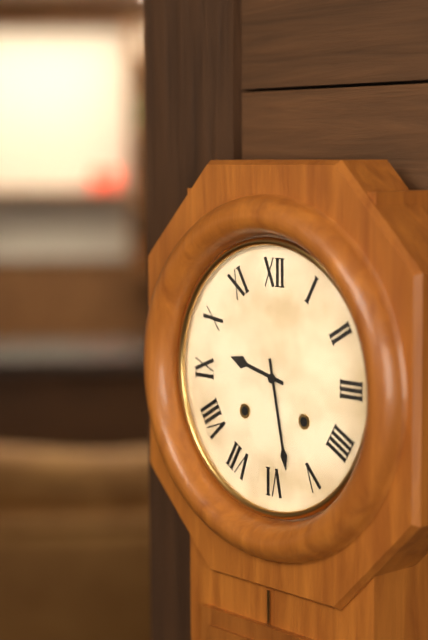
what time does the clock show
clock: 9:28
